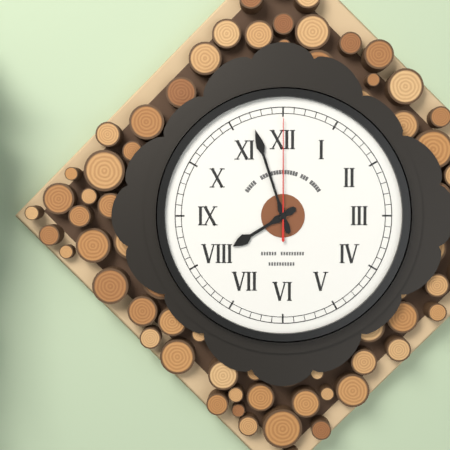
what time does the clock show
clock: 7:57:00
